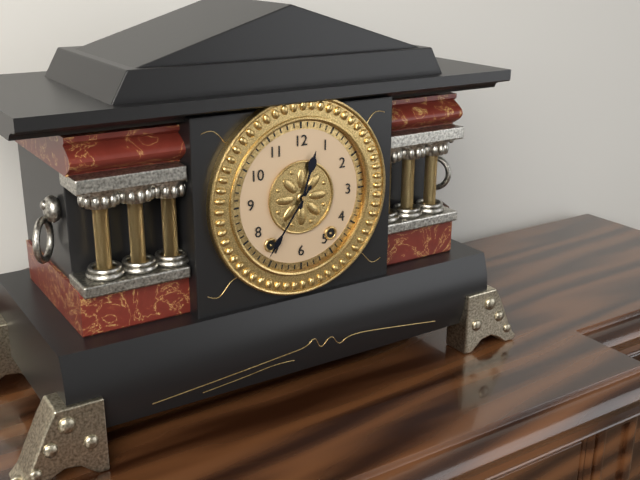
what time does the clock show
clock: 12:36
